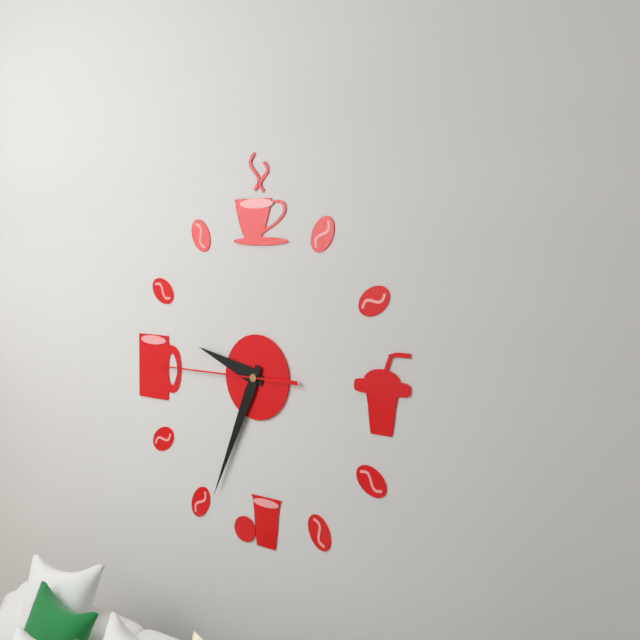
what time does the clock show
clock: 9:34:45
